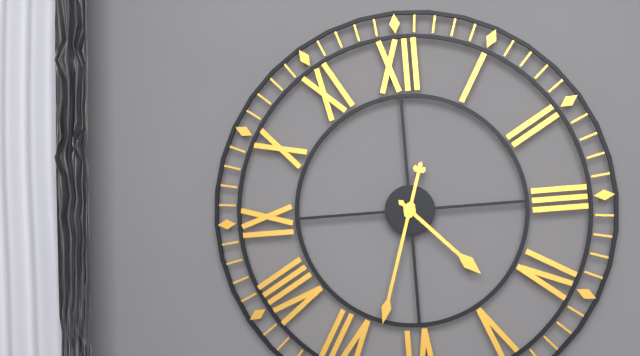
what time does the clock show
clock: 4:33
